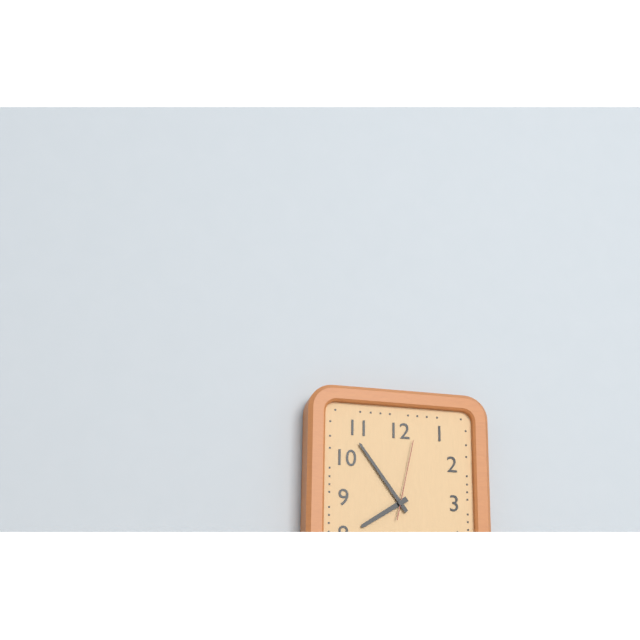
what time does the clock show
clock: 7:54:02
